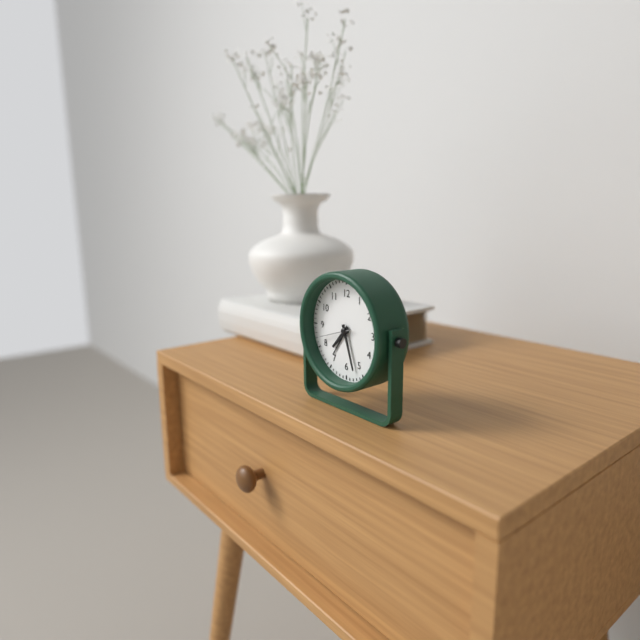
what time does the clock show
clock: 7:27
